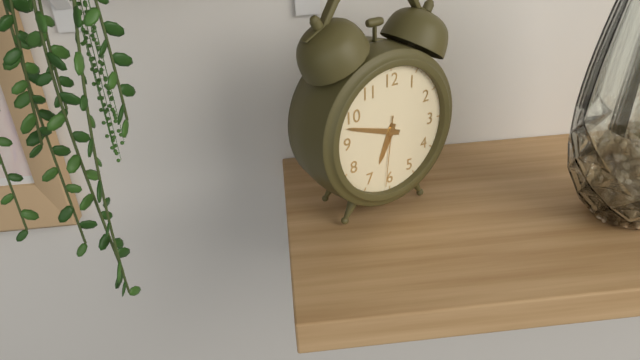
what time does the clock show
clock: 6:48:31
